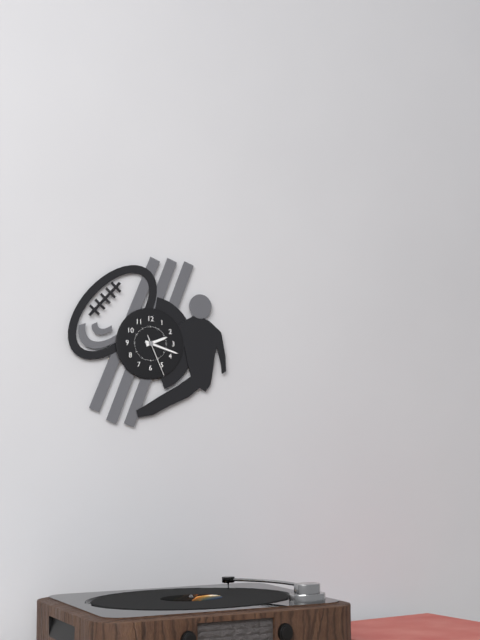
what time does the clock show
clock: 2:18
